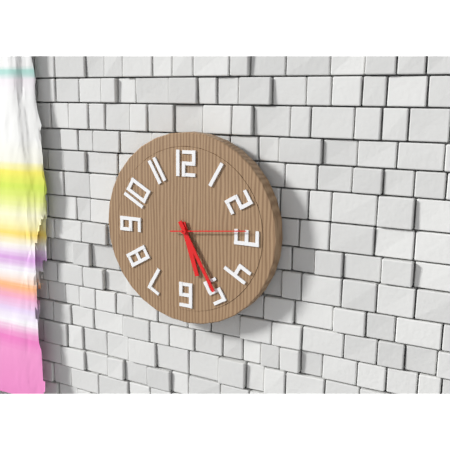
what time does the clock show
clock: 5:25:14
